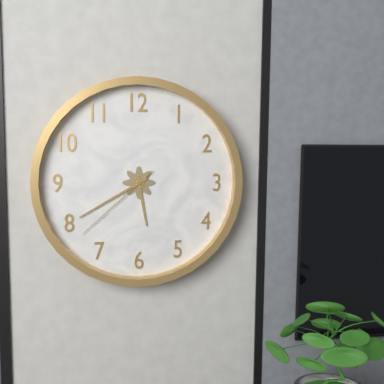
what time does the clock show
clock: 5:40:38
